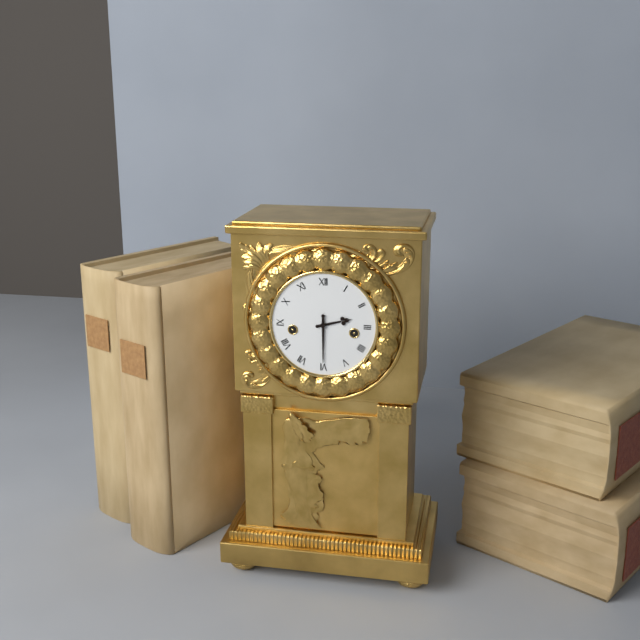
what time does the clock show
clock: 2:30
